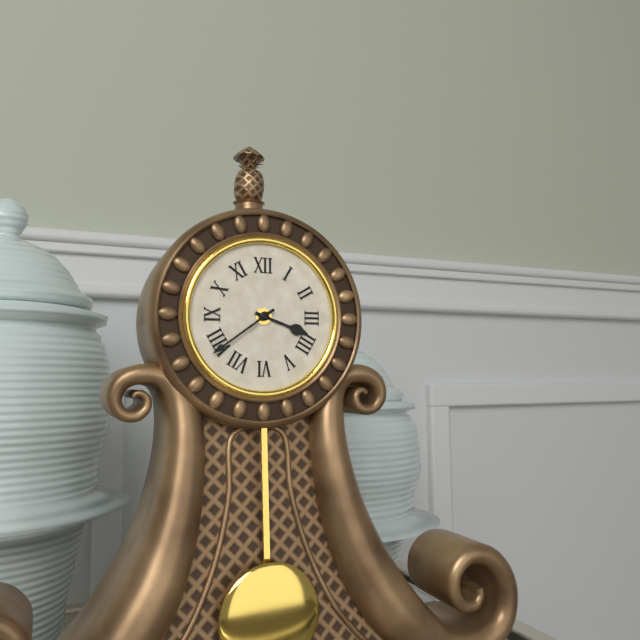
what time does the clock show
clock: 3:39
